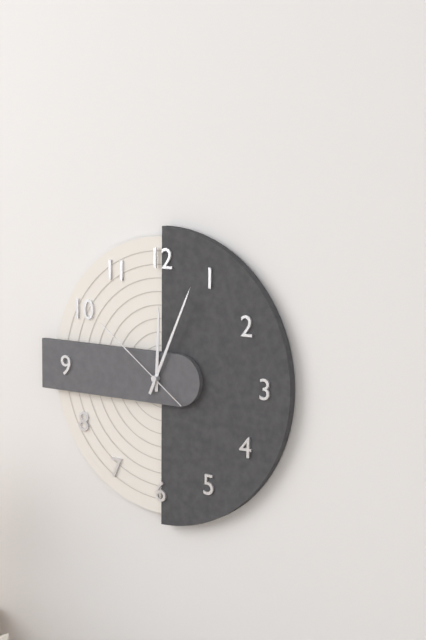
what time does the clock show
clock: 12:04:51
